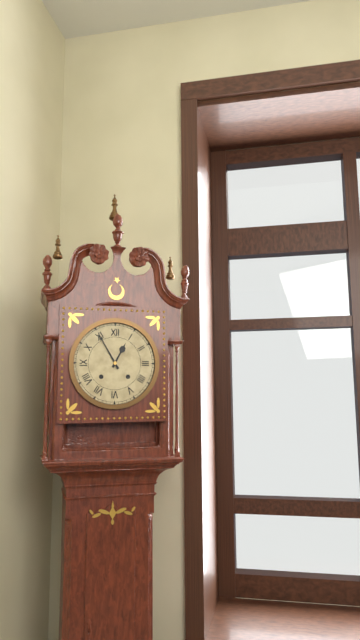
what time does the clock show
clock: 12:55
